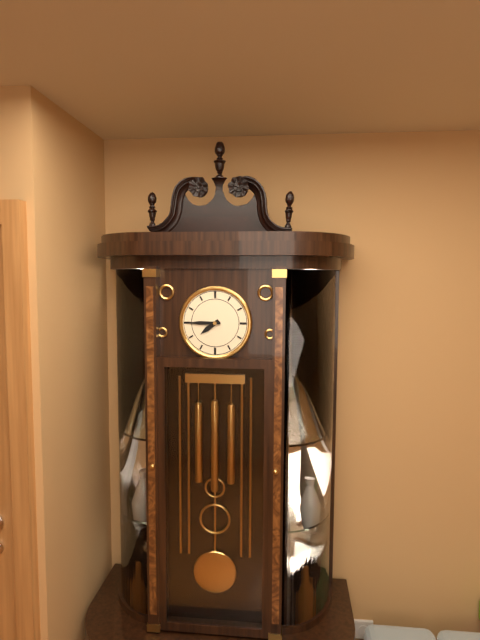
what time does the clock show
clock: 7:45
